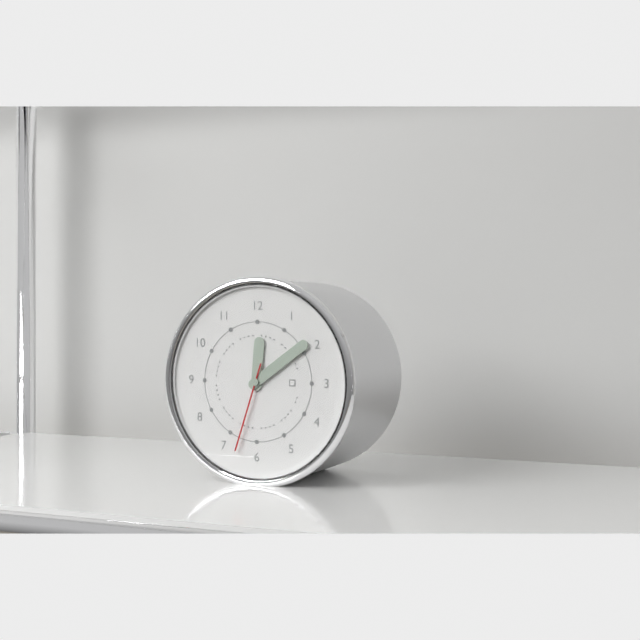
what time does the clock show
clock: 12:09:33
